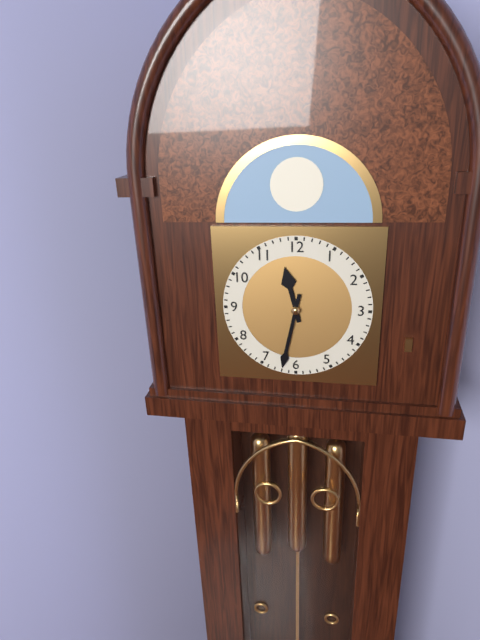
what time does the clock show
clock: 11:32
